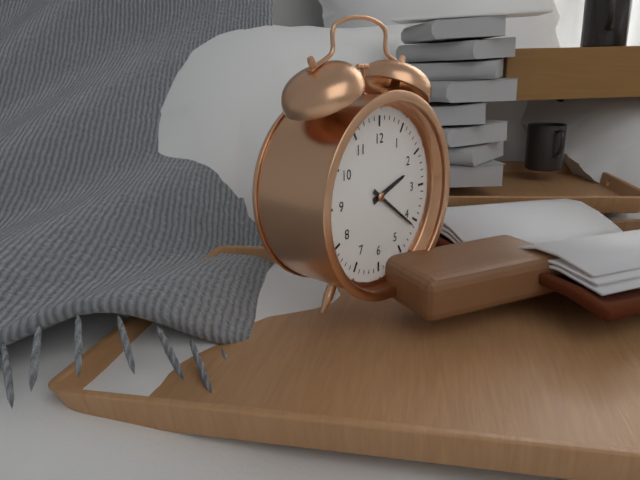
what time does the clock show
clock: 2:21
